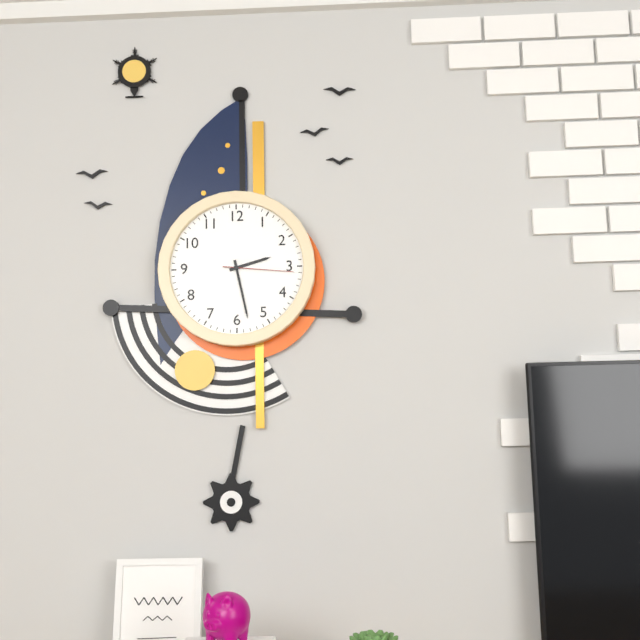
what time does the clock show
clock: 2:28:16
